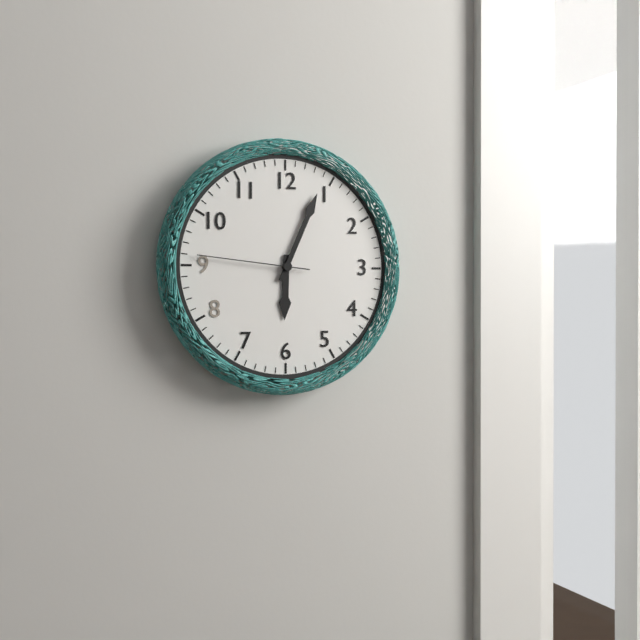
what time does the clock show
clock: 6:04:46
